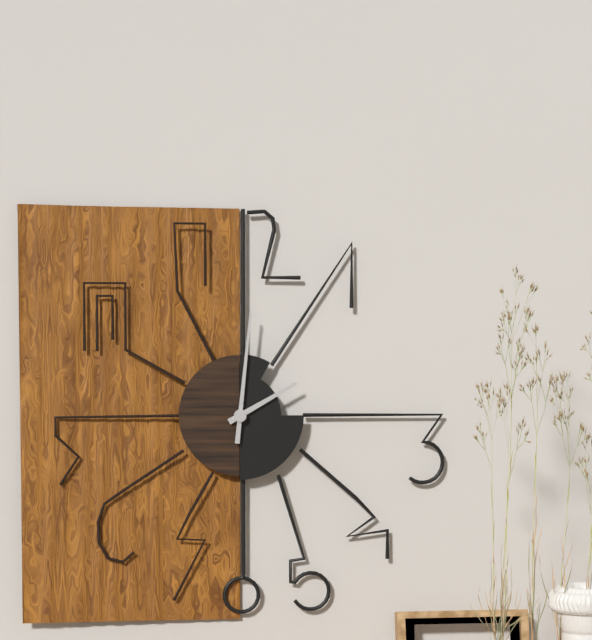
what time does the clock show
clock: 2:01
